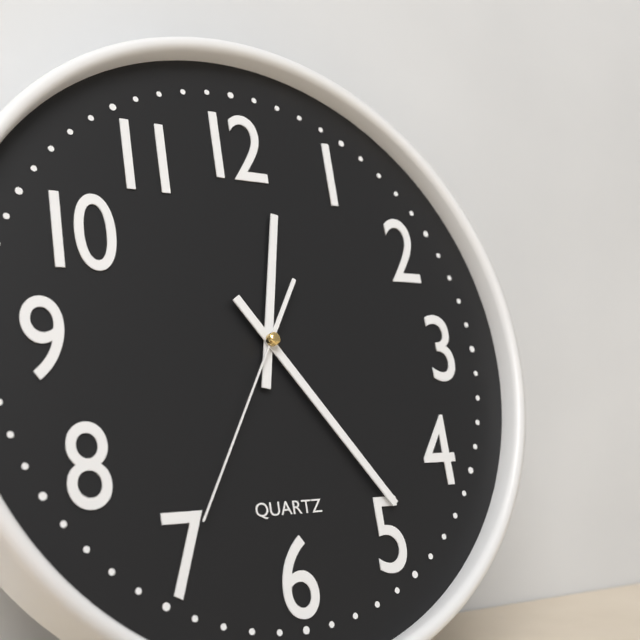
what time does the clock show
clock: 12:24:35
